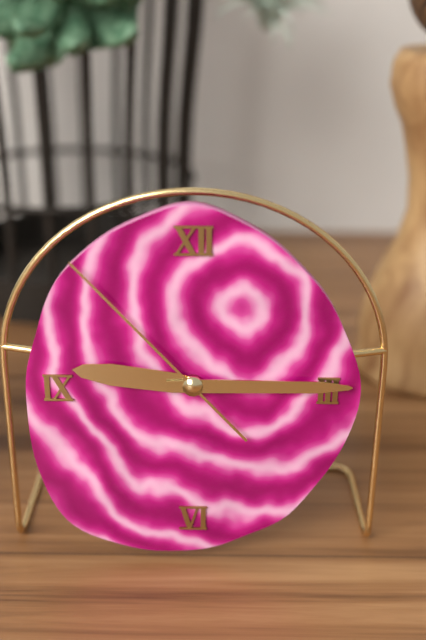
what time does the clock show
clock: 9:15:53
